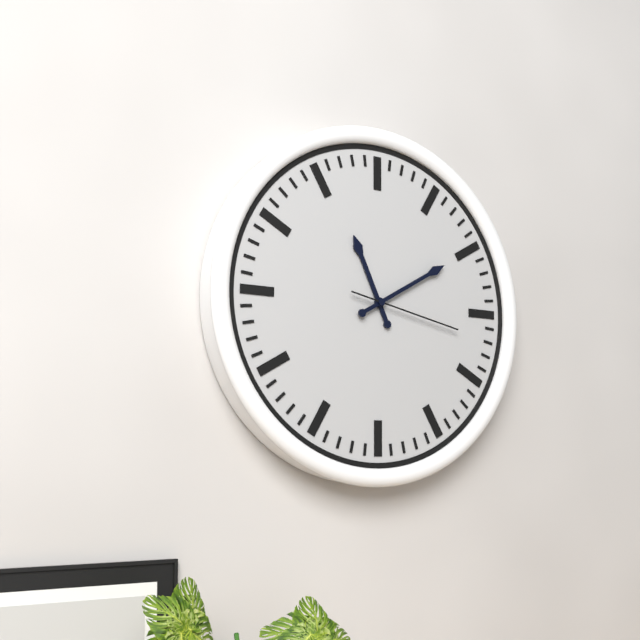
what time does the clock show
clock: 11:10:17
